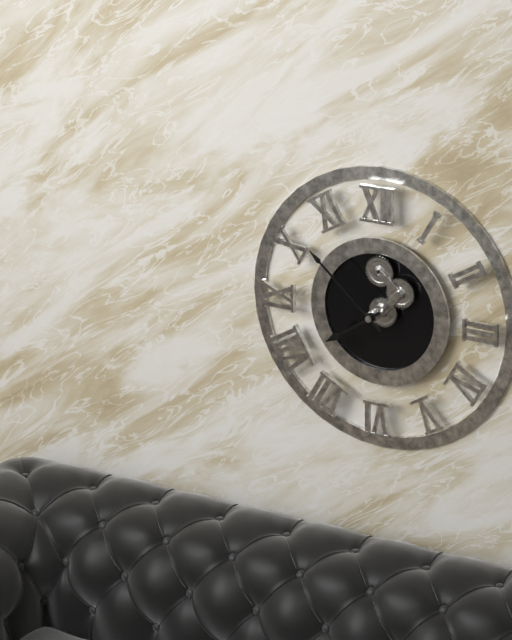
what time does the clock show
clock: 7:52
